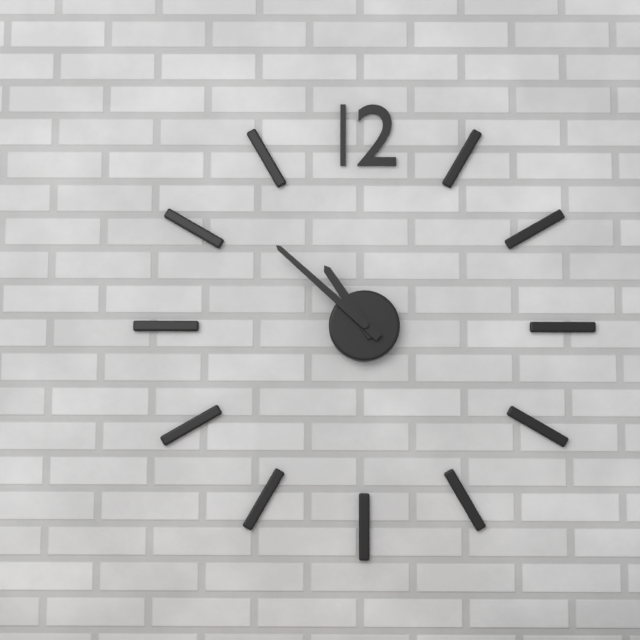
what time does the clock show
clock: 10:52
